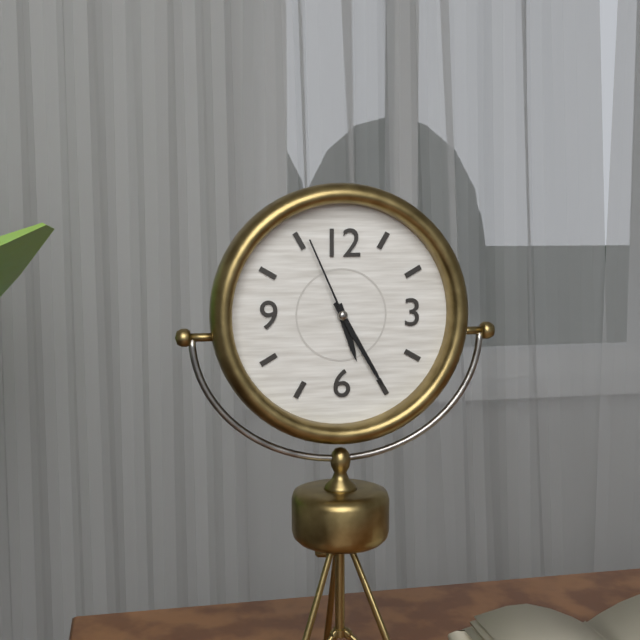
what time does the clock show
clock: 5:25:56
